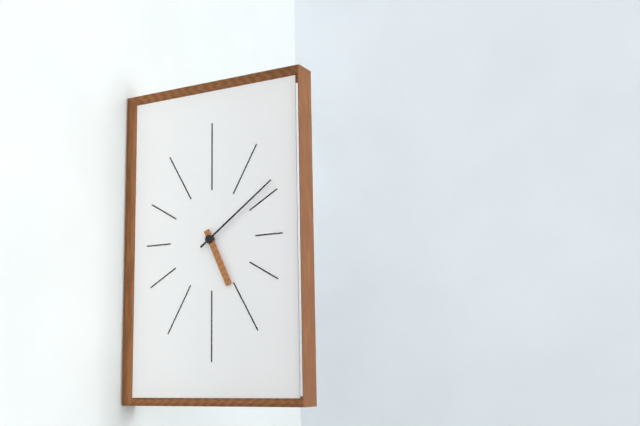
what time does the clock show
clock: 5:09
